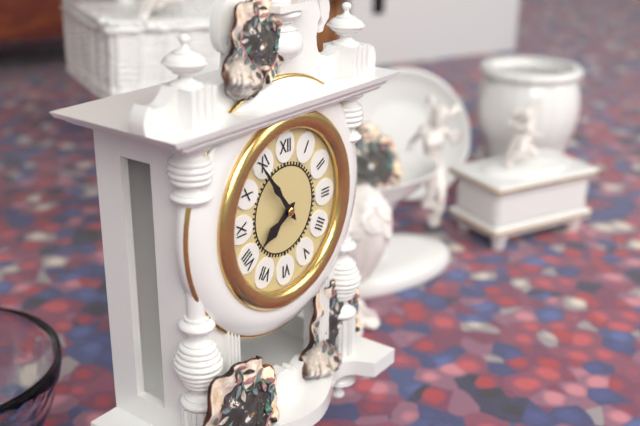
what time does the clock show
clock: 7:54
